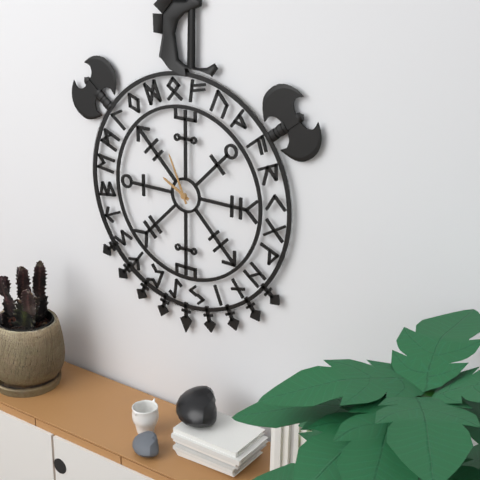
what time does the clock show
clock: 9:56
